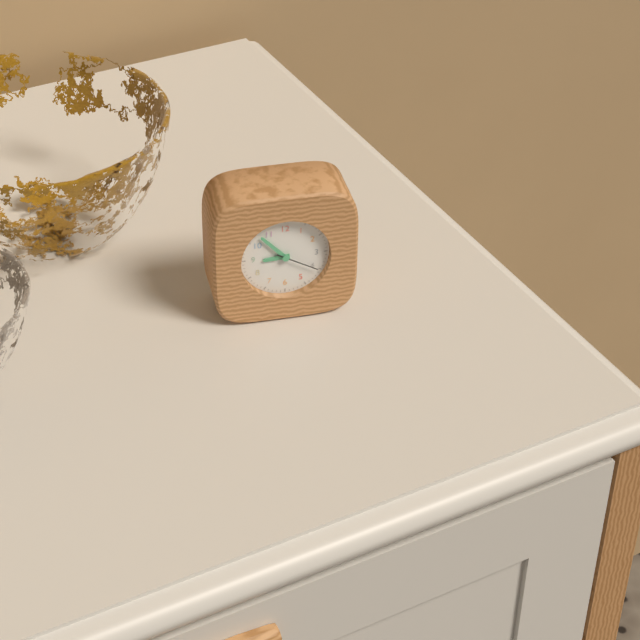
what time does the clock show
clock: 8:53
